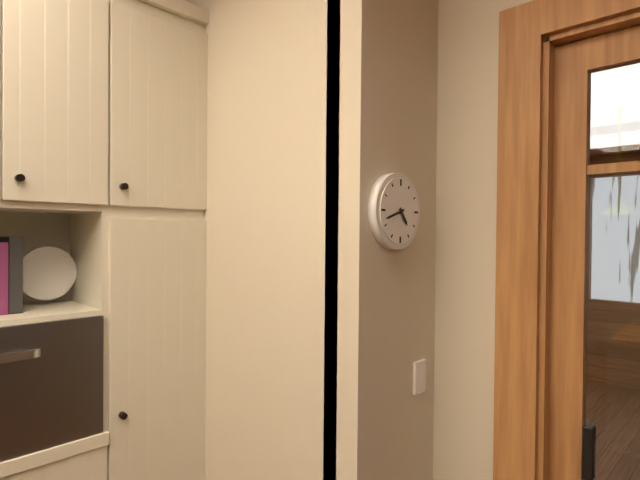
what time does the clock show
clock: 4:42
